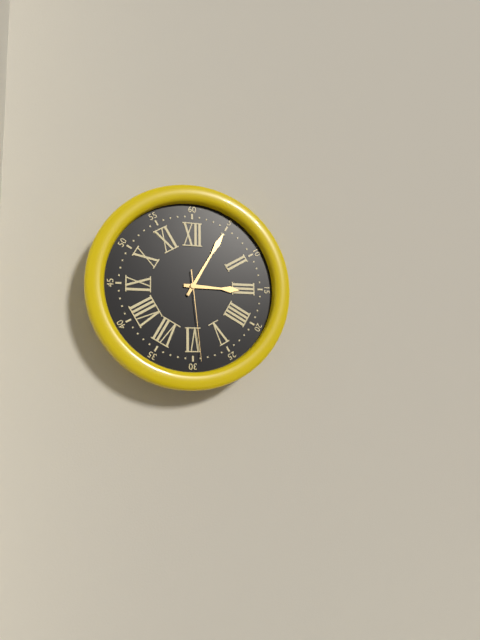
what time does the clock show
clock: 3:05:29
